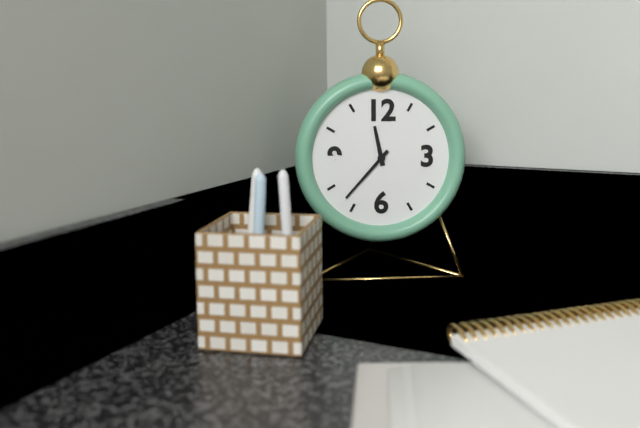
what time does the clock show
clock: 11:37
